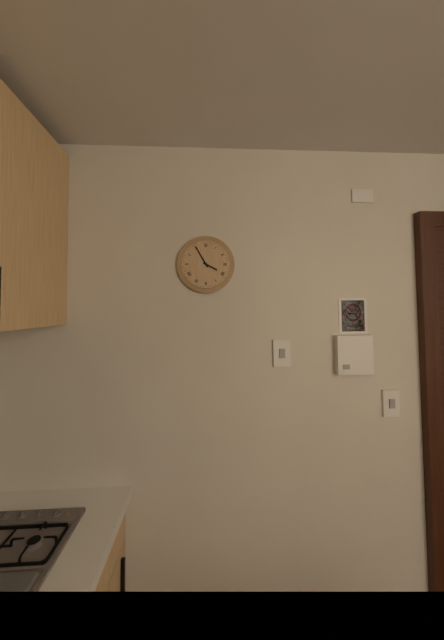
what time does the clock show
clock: 3:55
